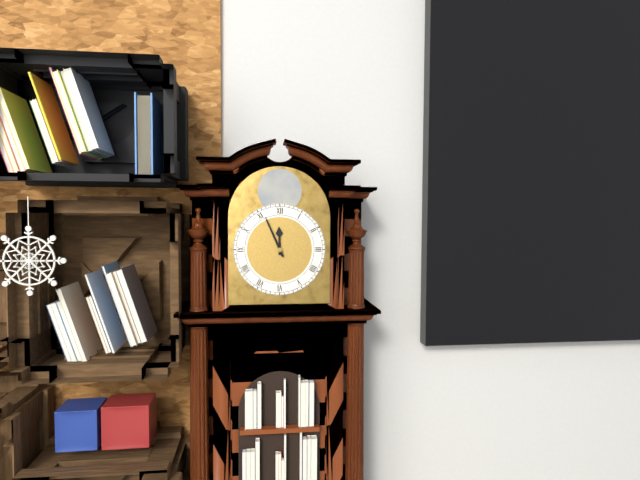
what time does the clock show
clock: 11:56
